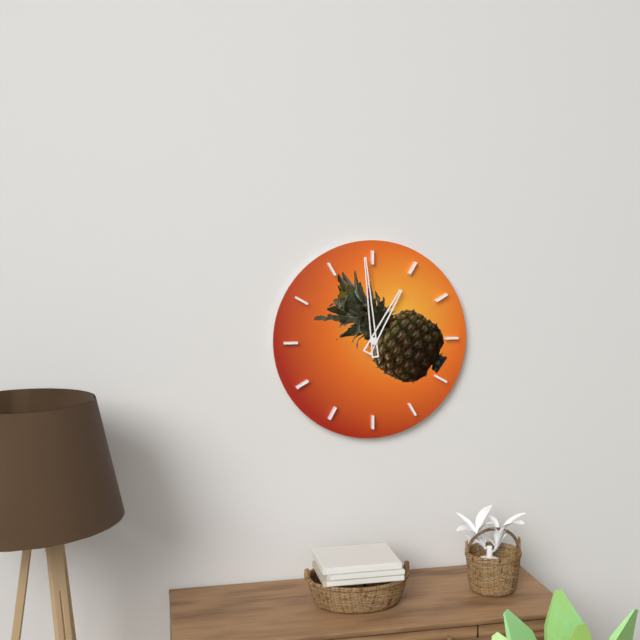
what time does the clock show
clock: 12:59
